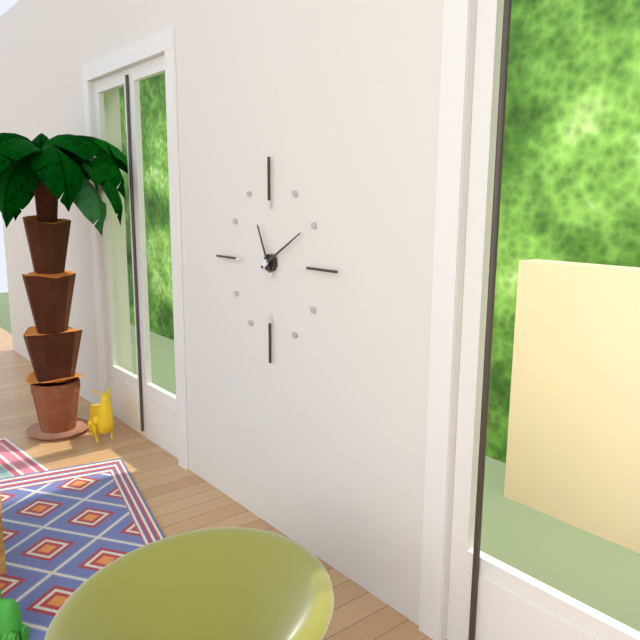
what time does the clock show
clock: 11:10
